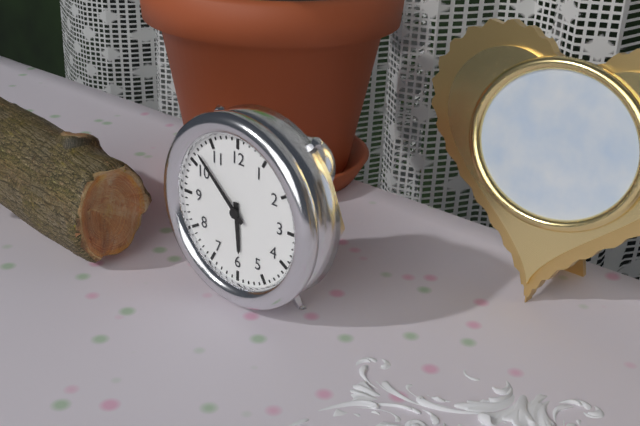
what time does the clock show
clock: 5:52
